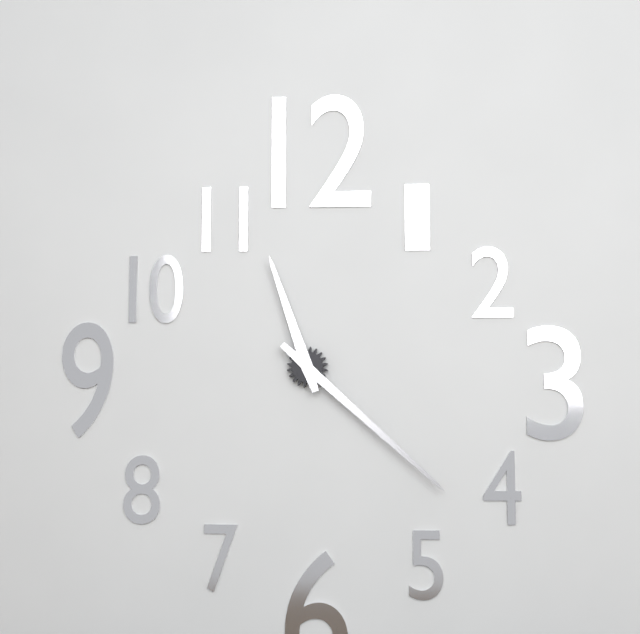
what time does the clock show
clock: 11:22
